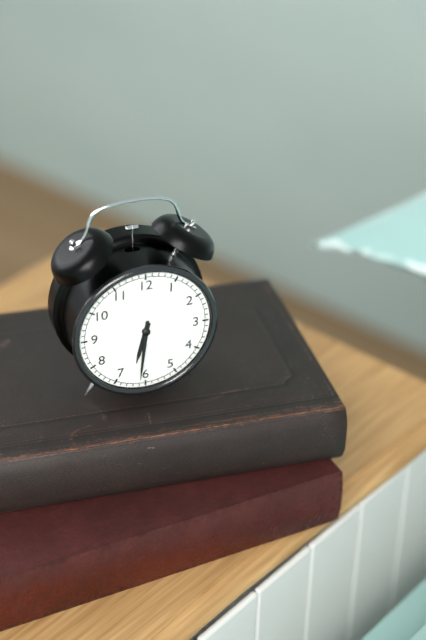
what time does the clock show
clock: 6:31
